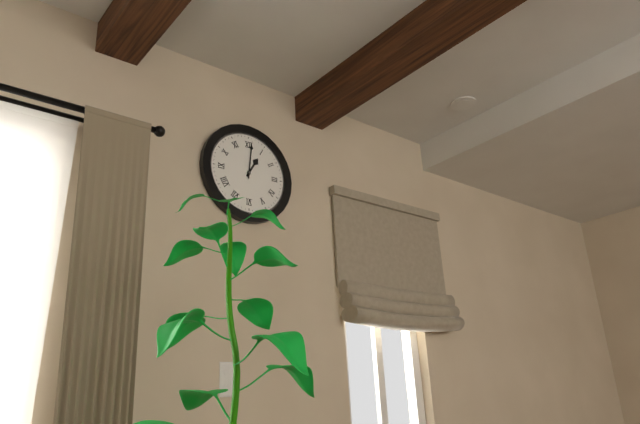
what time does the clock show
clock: 1:01
